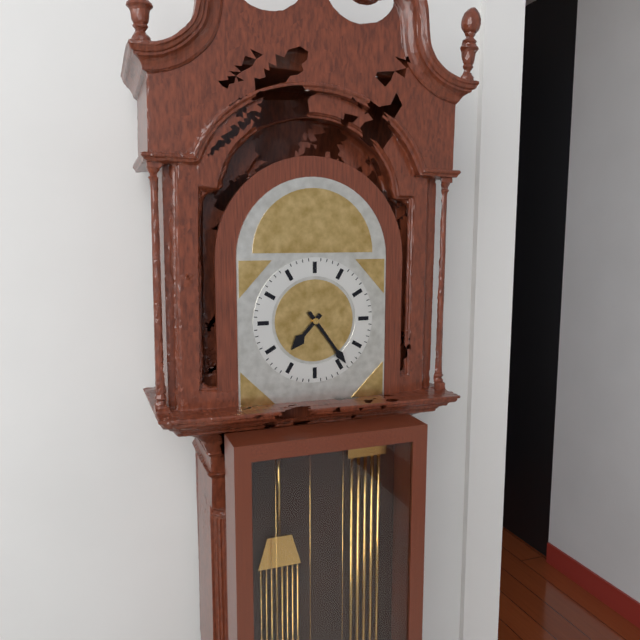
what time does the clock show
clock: 7:24
